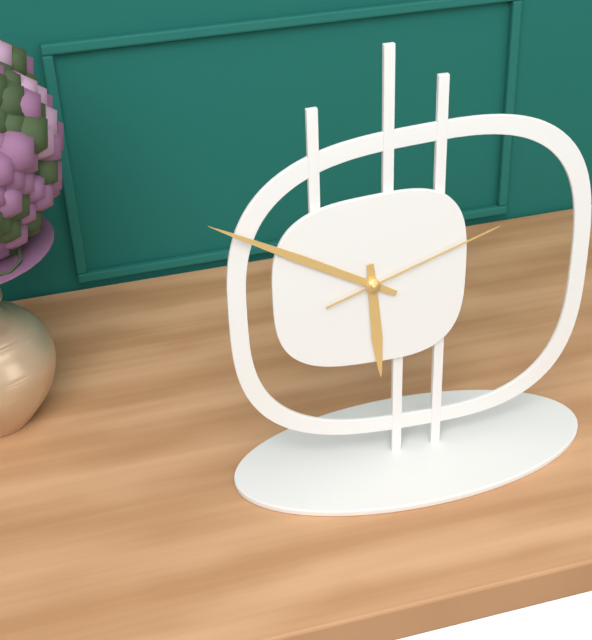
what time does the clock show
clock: 5:50:12
